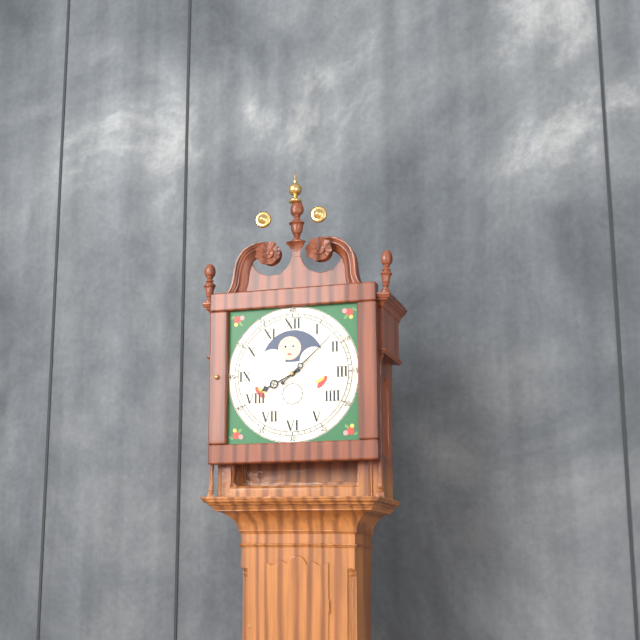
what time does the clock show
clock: 8:08
